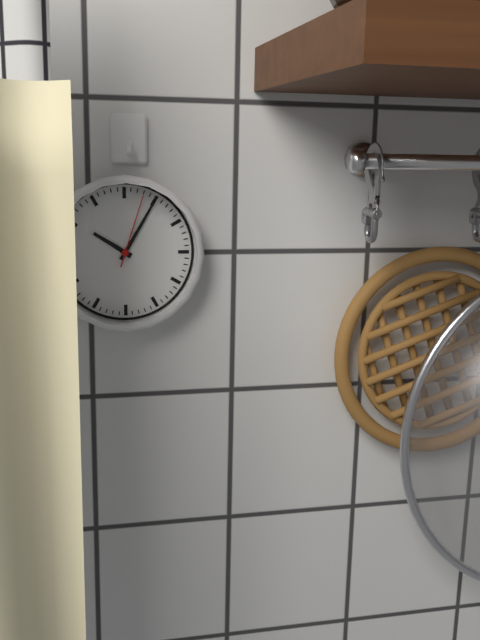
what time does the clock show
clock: 10:05:03
